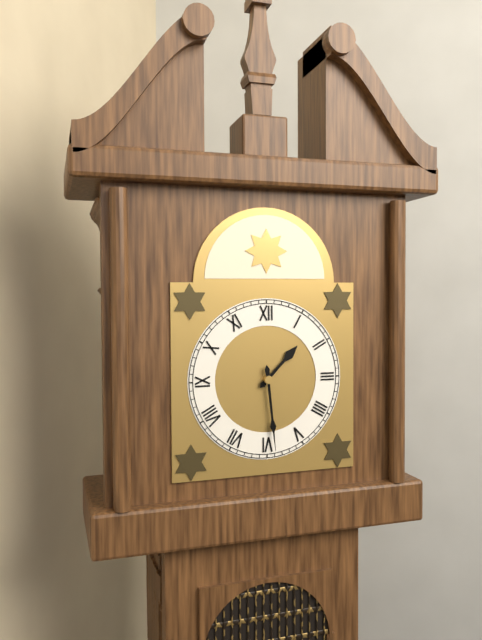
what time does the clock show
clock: 1:29
